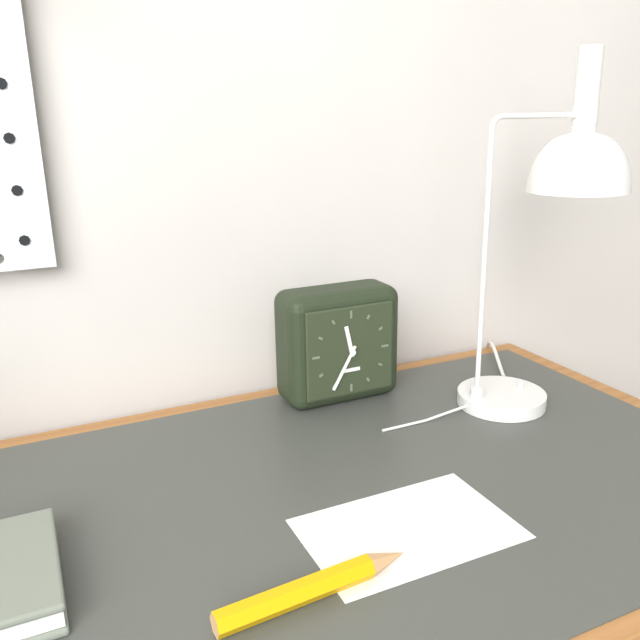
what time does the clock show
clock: 11:35
